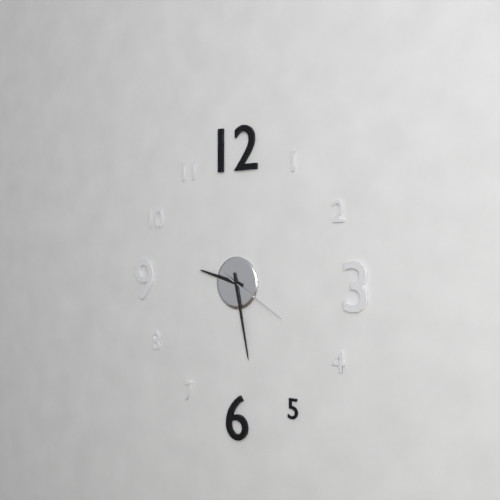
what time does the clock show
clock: 9:28:20
